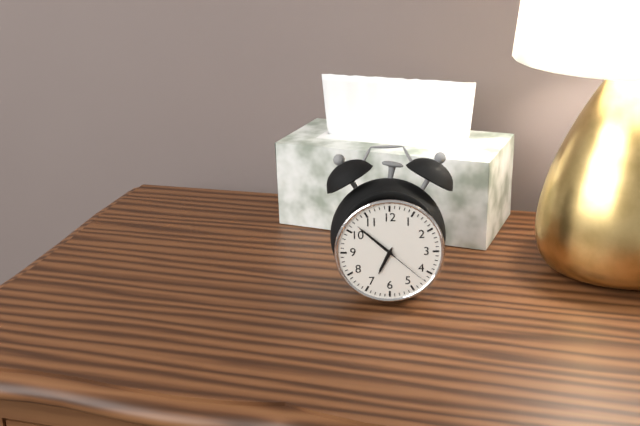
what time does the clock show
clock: 6:52:22
